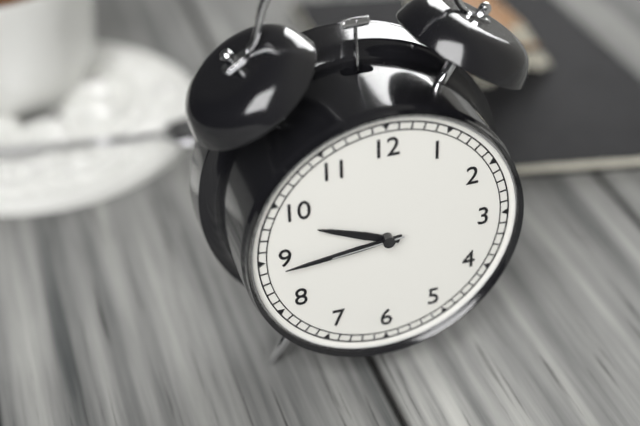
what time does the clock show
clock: 9:44:44
